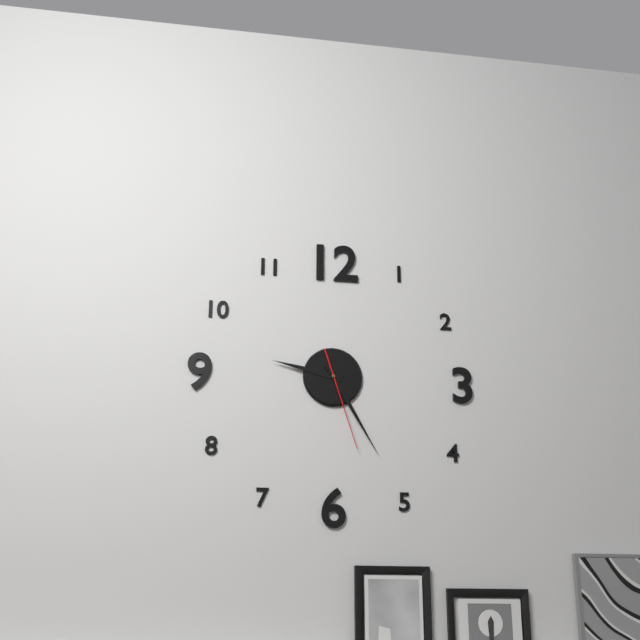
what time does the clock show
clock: 9:25:27
